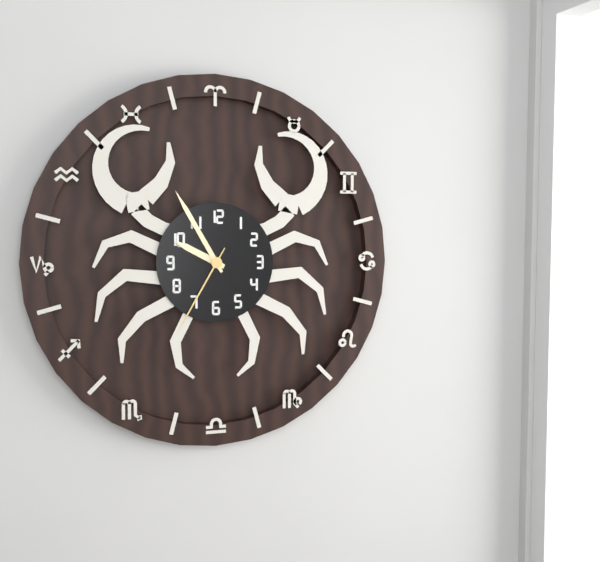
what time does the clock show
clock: 9:55:35
